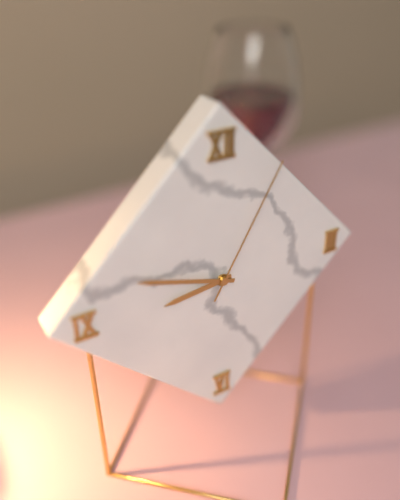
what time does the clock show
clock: 8:48:05
